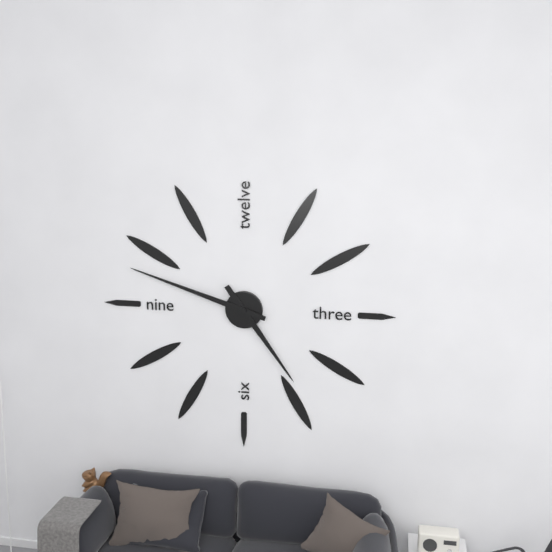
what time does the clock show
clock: 4:48
